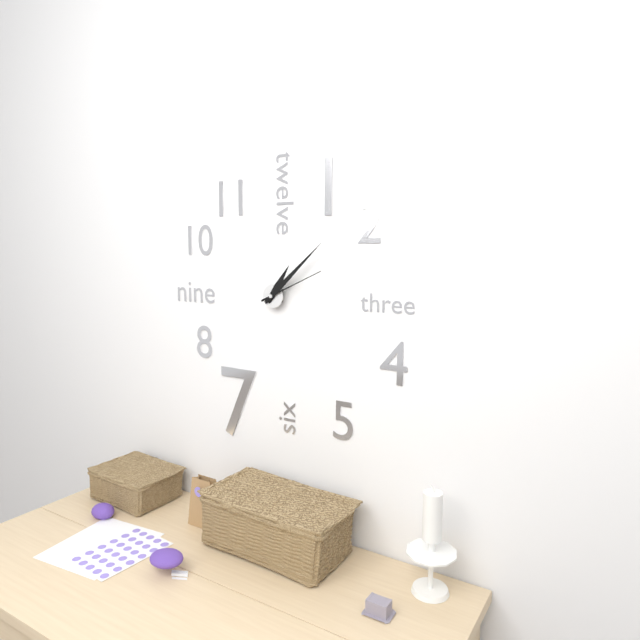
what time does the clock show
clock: 1:08:11
